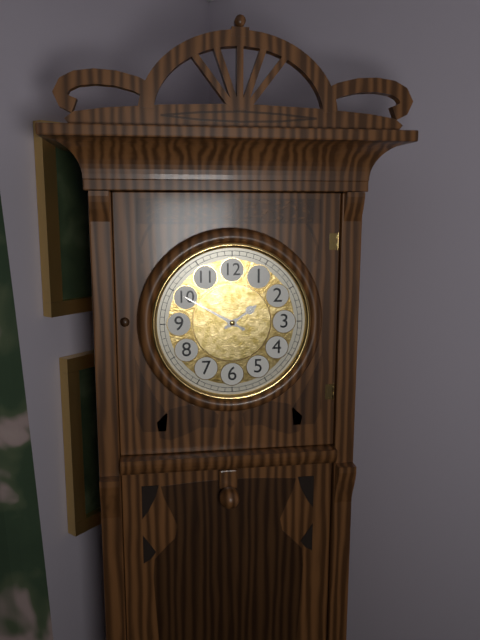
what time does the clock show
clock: 1:50
